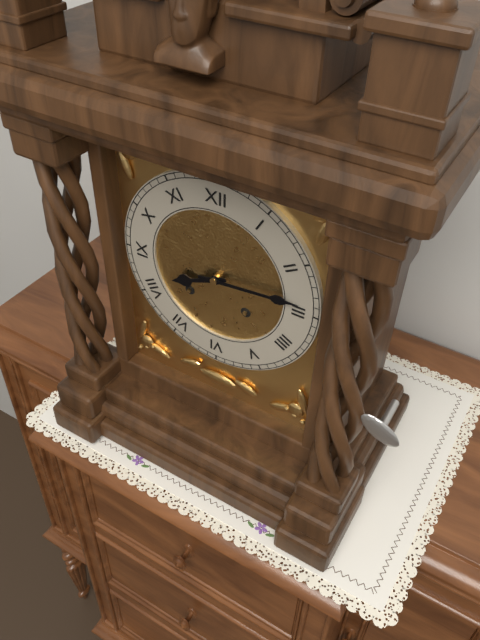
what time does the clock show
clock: 8:14
